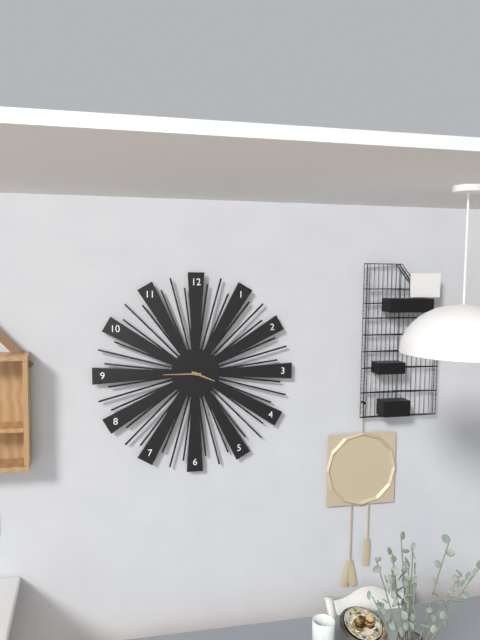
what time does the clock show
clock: 3:45
